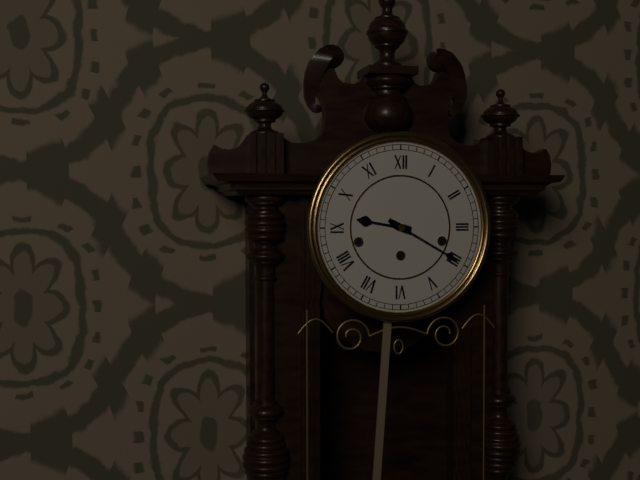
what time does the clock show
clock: 9:20
